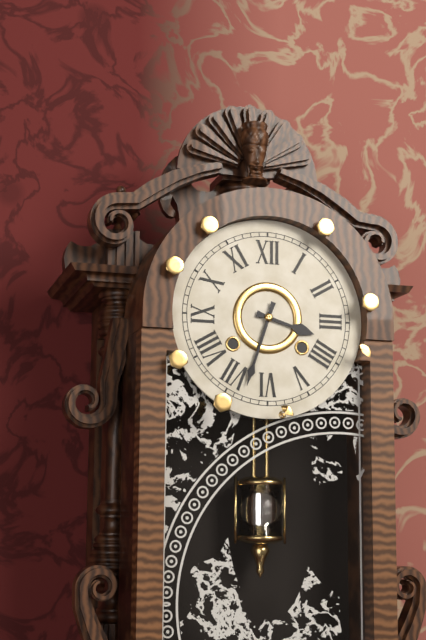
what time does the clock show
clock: 3:33
